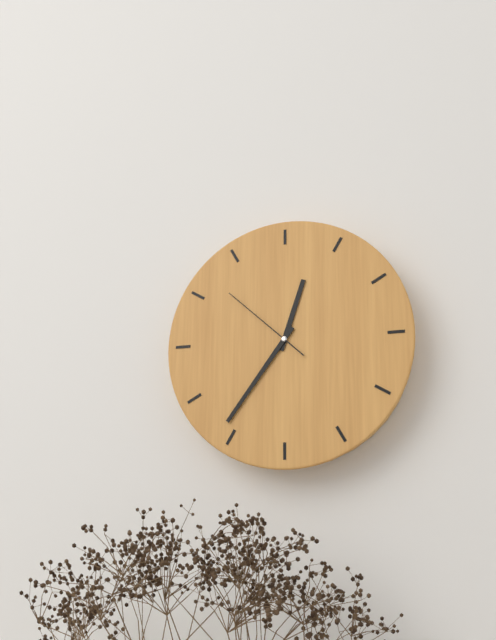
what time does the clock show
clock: 12:36:52
